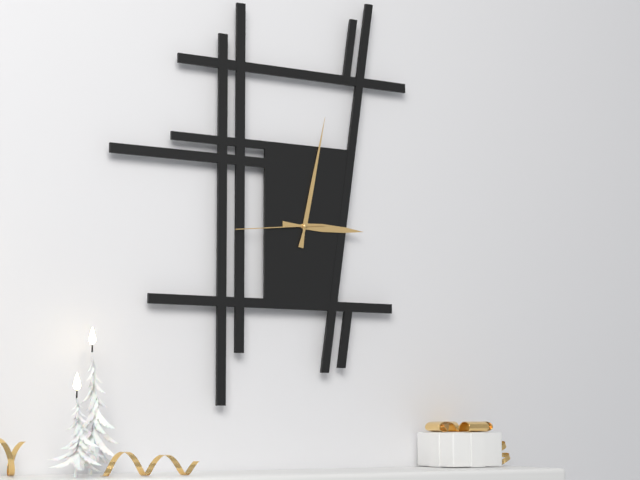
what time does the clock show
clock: 3:02:44
